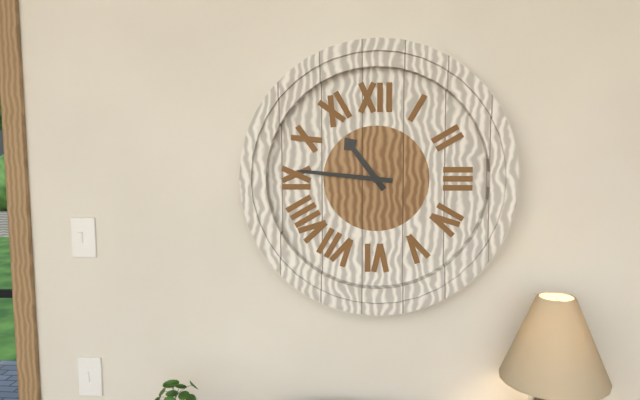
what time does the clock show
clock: 10:46
